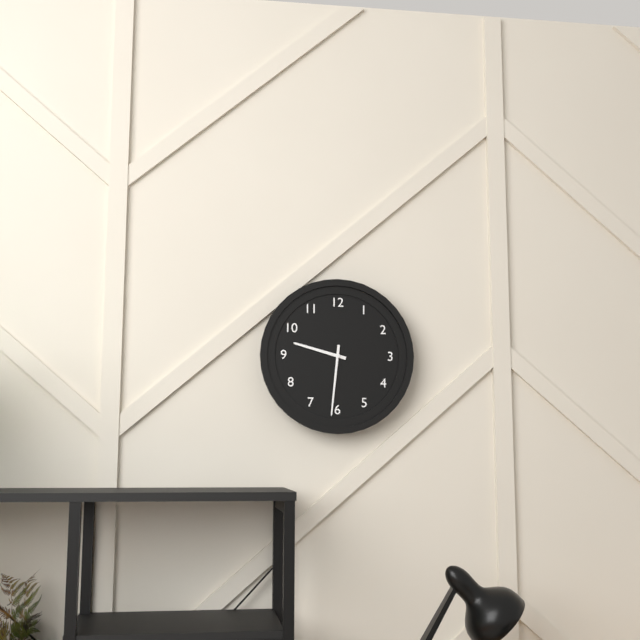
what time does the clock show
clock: 9:31
